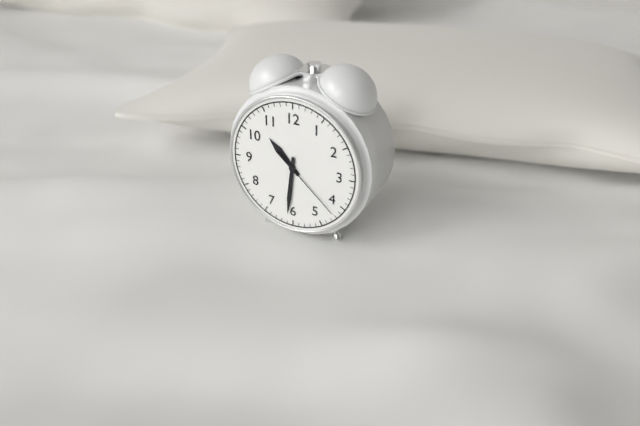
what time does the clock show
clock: 10:31:22
